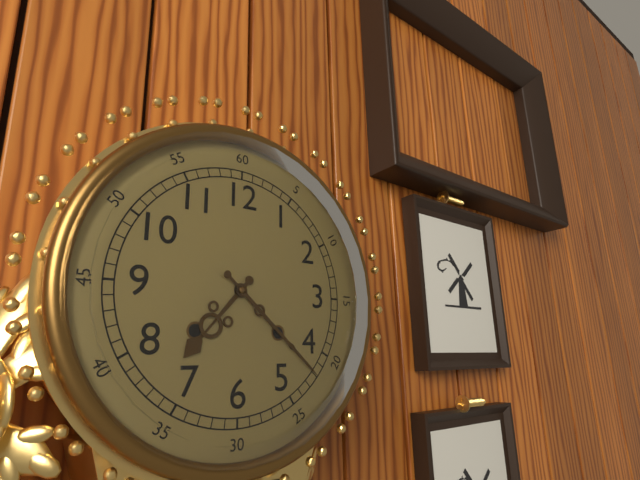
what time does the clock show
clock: 7:22
